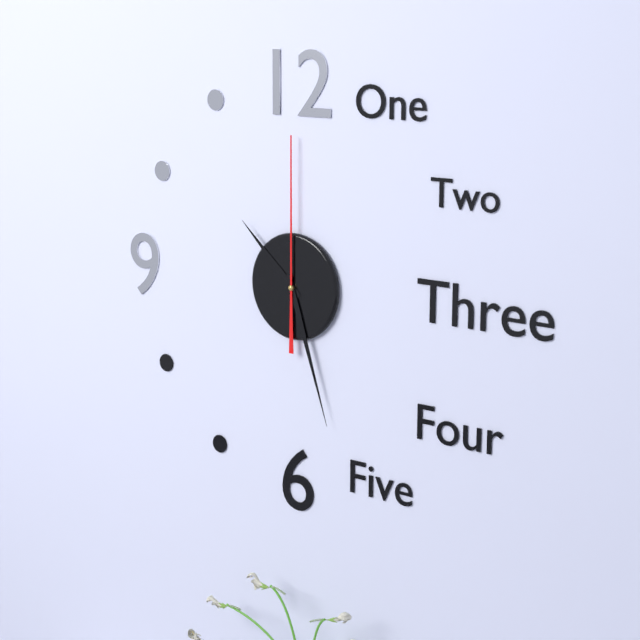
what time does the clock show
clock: 10:27:00
